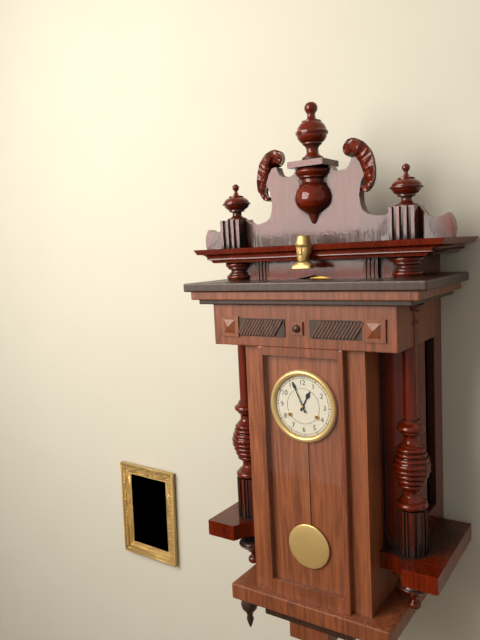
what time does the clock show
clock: 12:56
